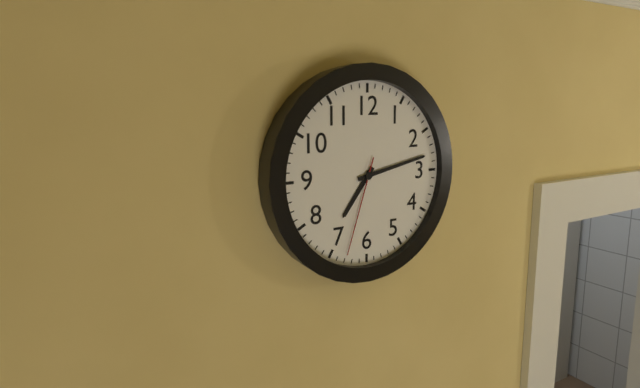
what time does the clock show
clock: 7:13:33
